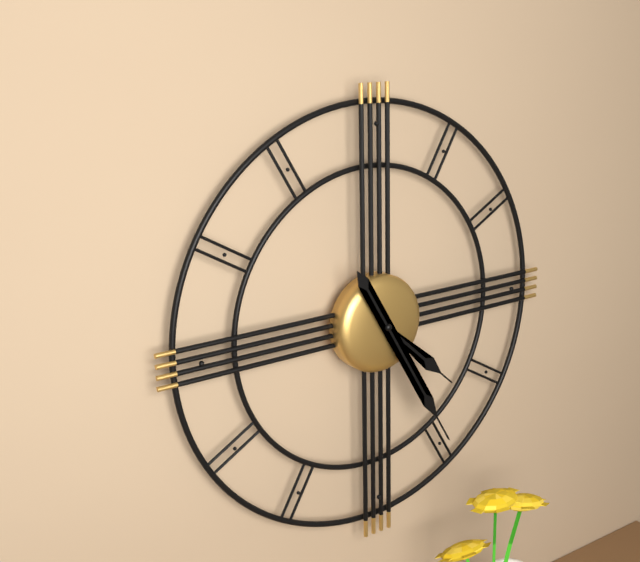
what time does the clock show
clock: 4:25
